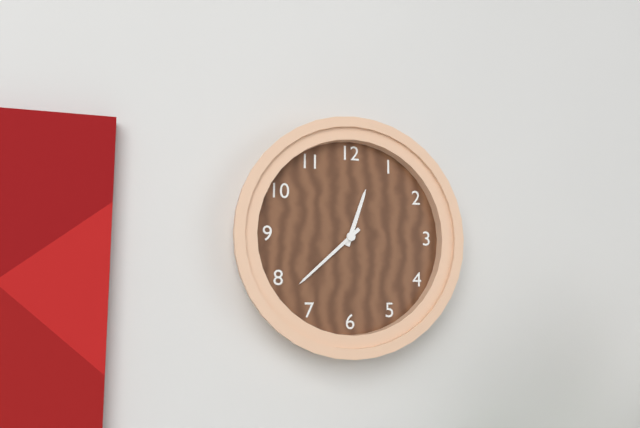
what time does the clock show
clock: 12:38
